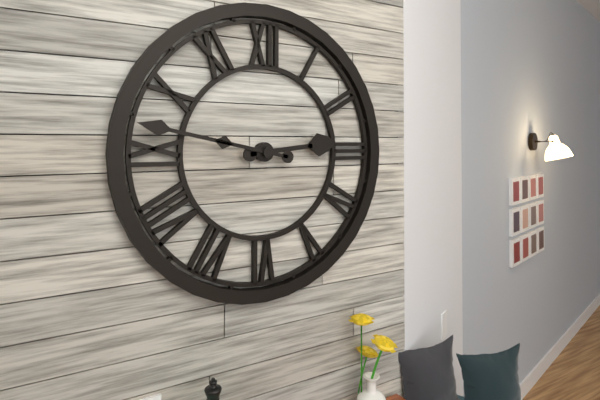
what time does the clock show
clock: 2:47
